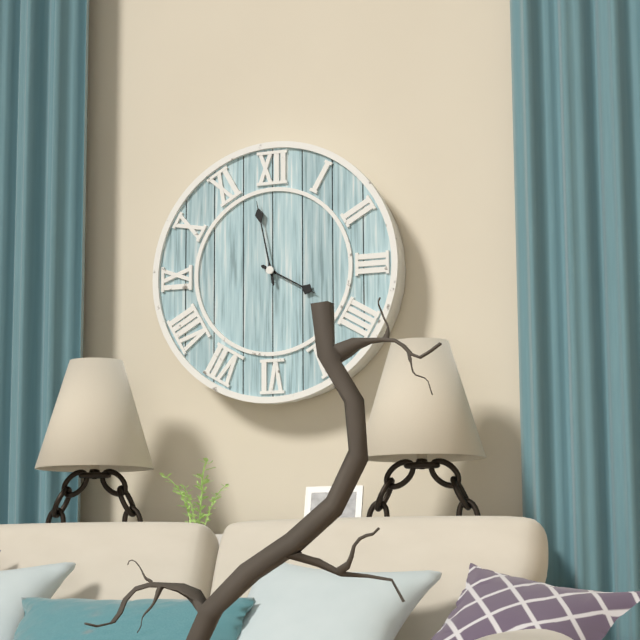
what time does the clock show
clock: 3:58
